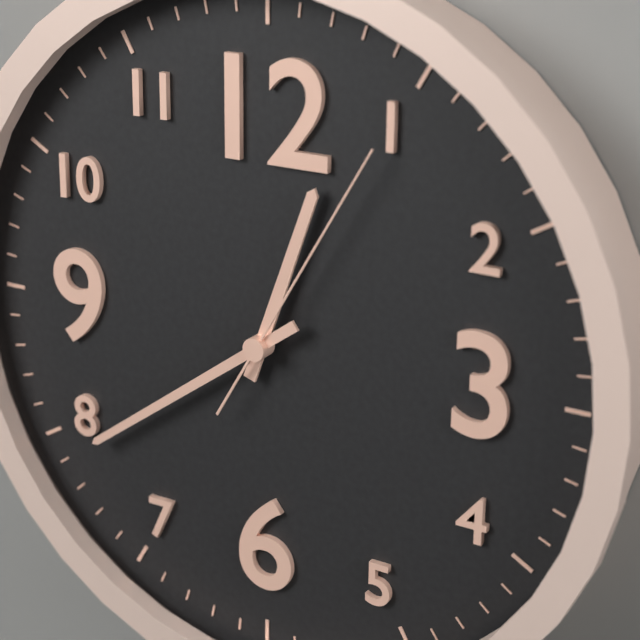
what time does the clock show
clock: 12:39:05
